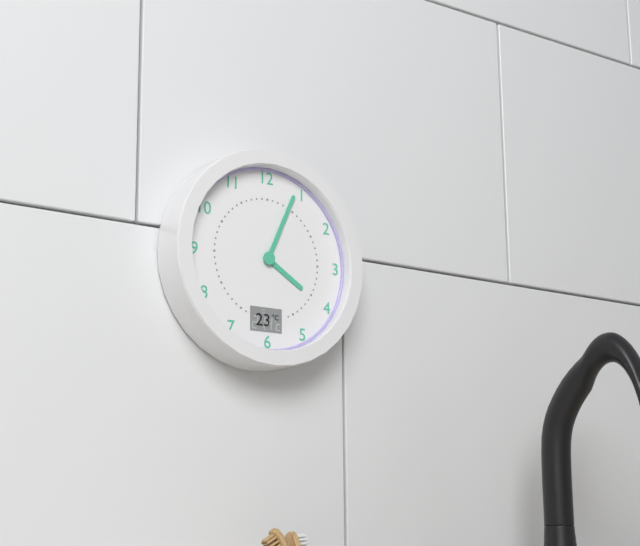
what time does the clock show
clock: 4:04
